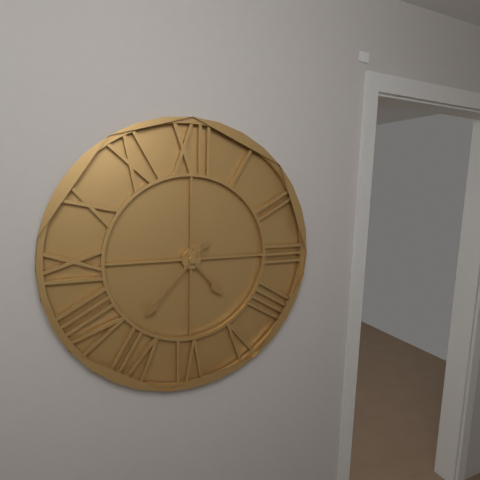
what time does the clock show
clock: 4:37
